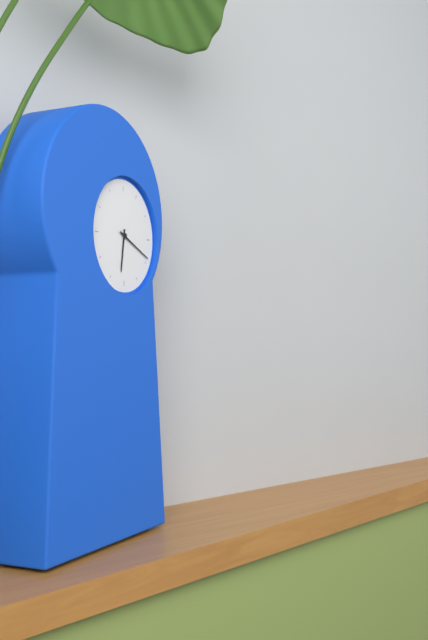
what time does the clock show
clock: 6:19
